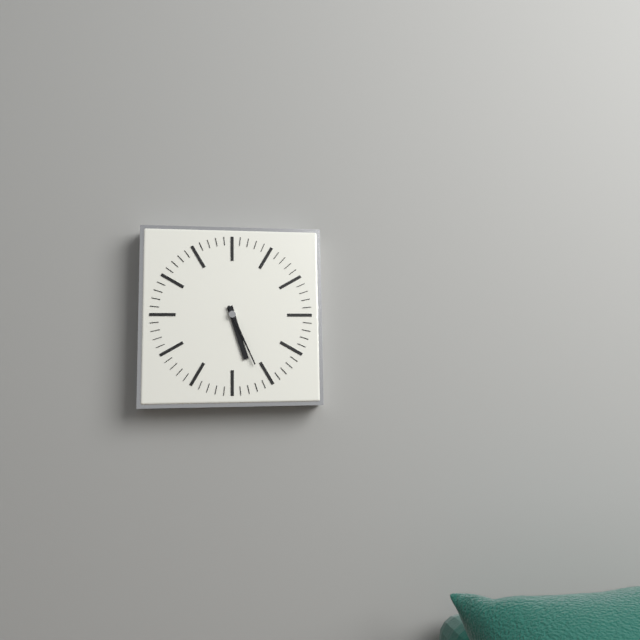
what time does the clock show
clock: 5:26
